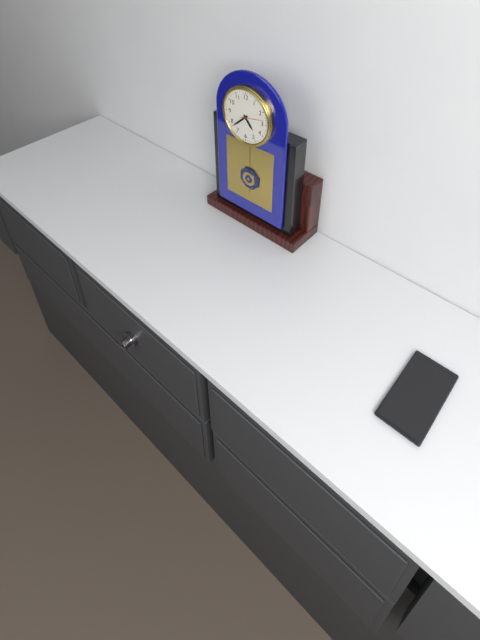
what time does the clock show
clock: 4:38
